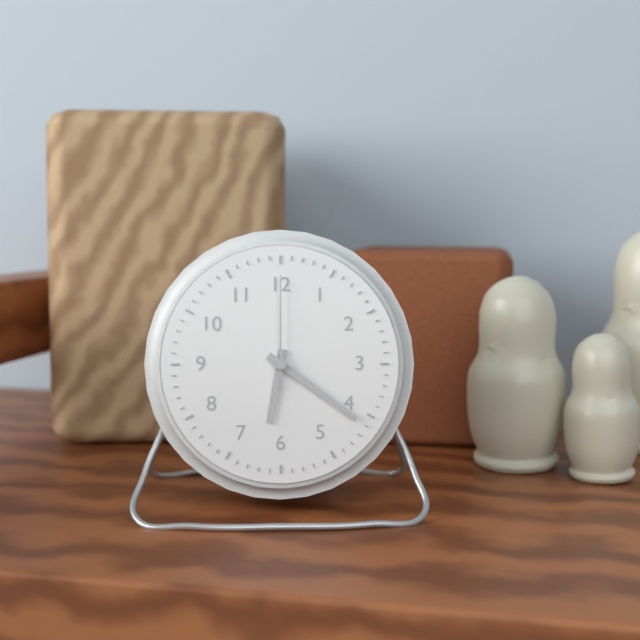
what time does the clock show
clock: 6:21:00
